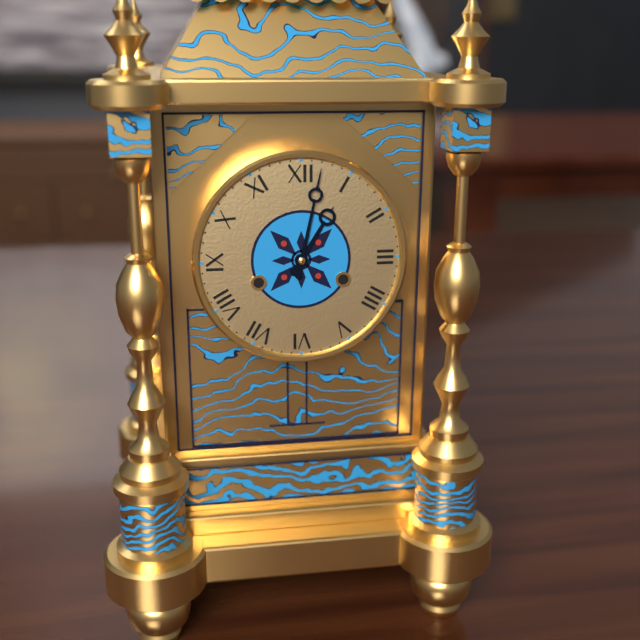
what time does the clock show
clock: 1:02
